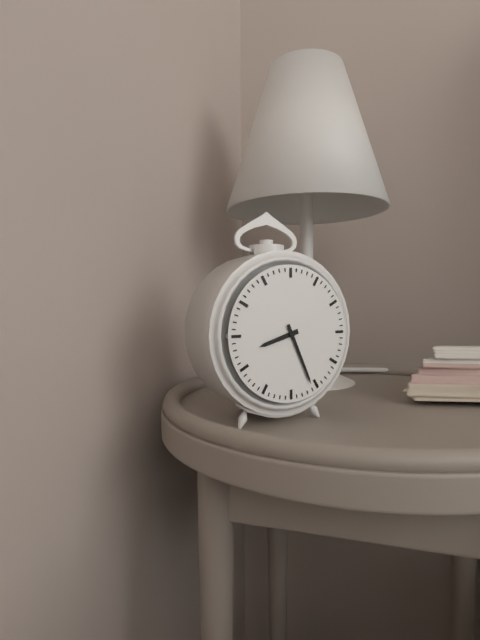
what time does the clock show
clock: 8:26
